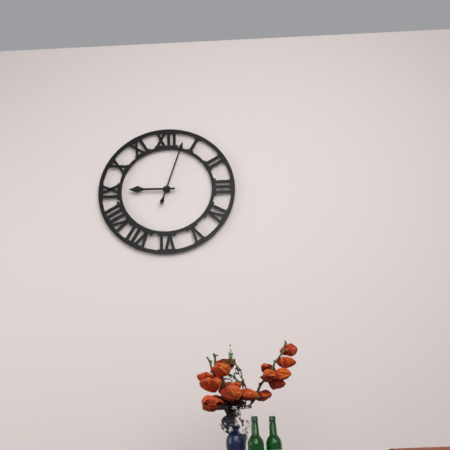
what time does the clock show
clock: 9:03
